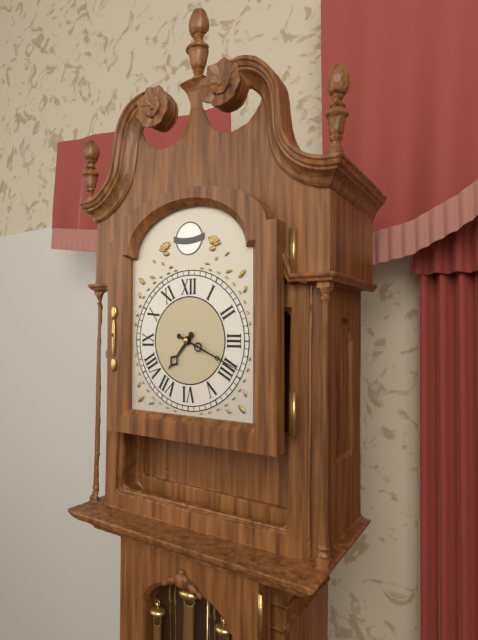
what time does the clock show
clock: 7:19
